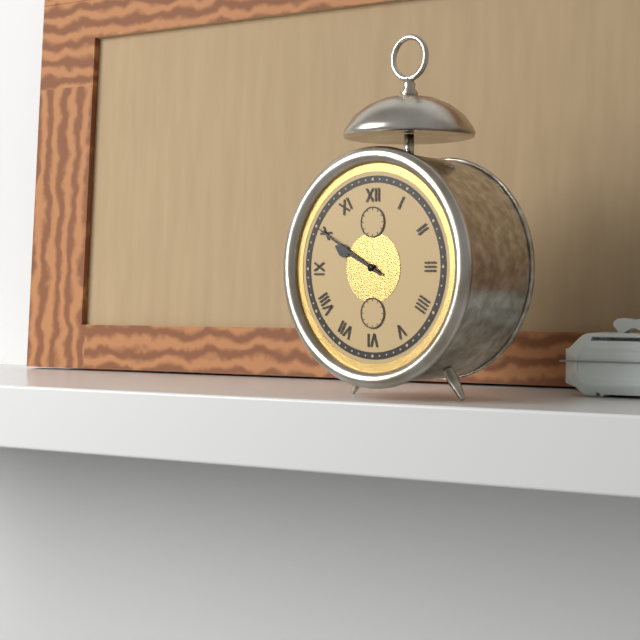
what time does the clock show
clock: 9:50
